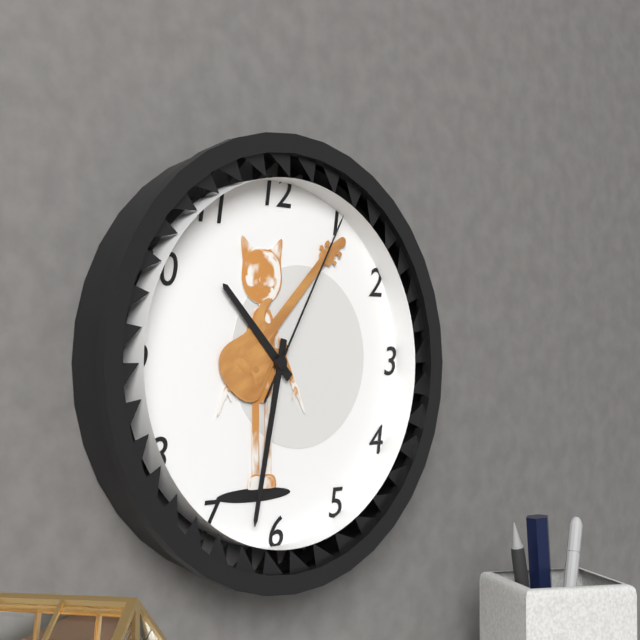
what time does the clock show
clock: 10:32:05
